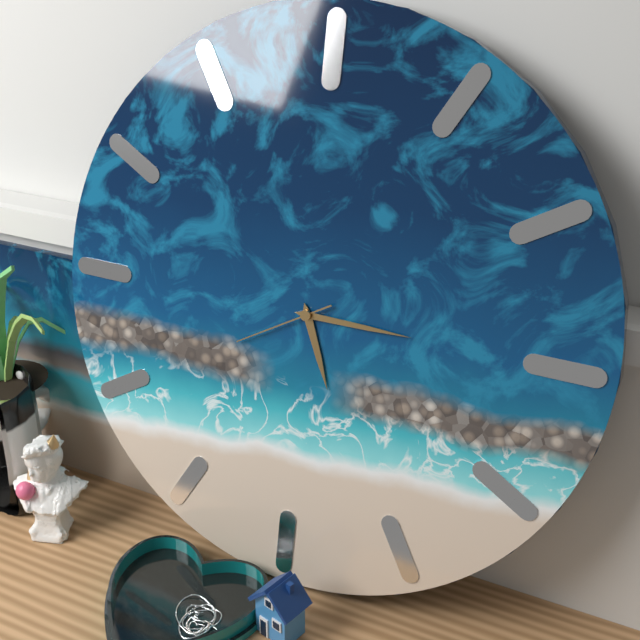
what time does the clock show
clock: 5:15:40
